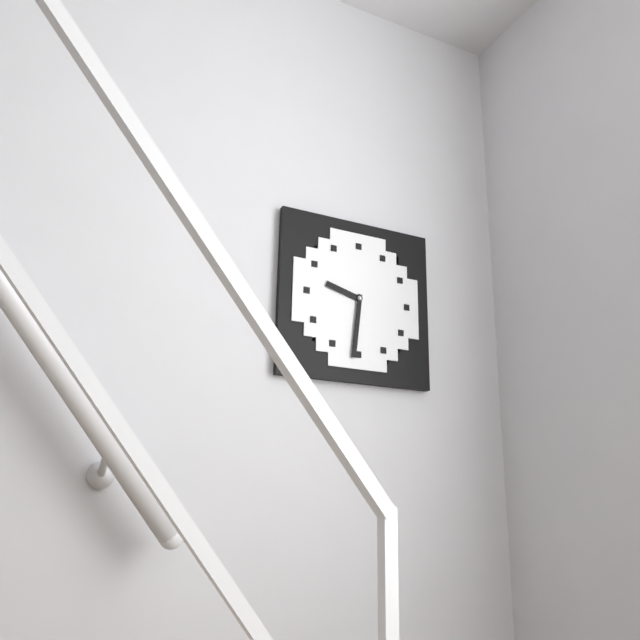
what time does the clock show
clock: 9:31
